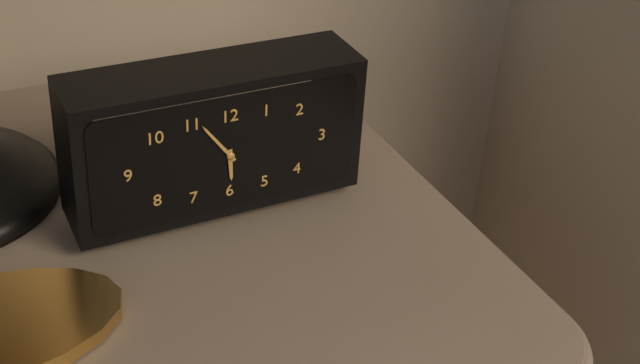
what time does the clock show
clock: 5:54
